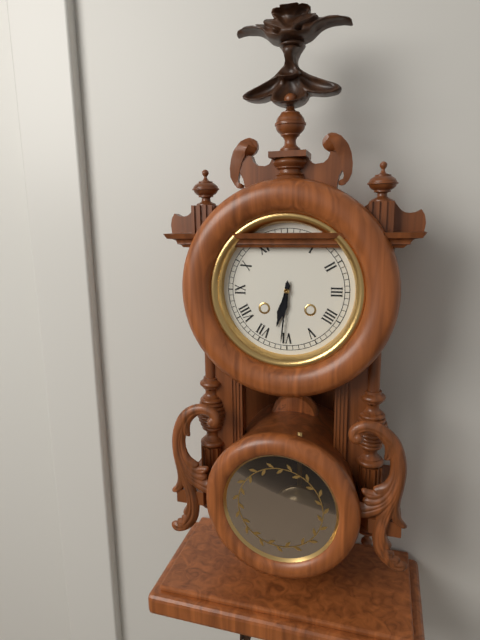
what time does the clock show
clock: 6:31
